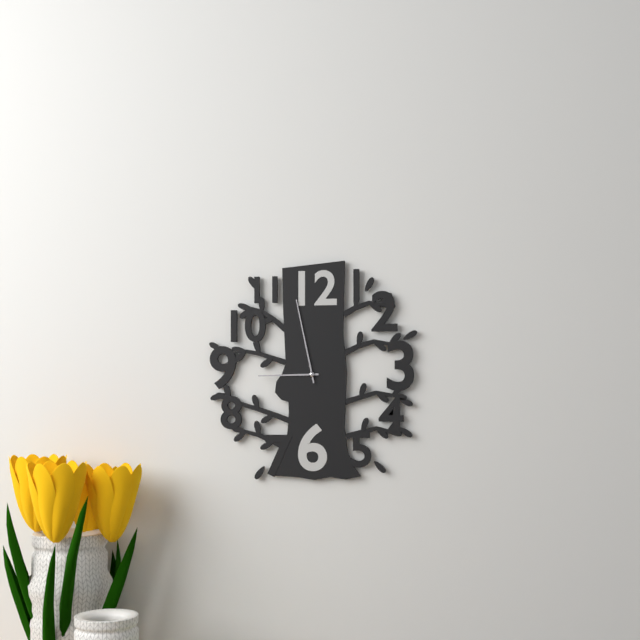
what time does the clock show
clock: 8:58
